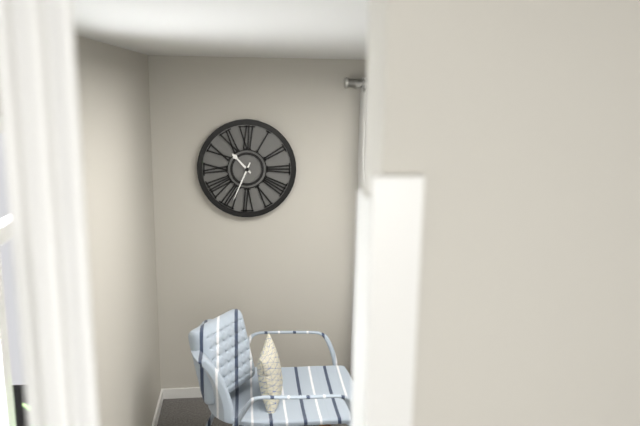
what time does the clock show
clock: 10:34
